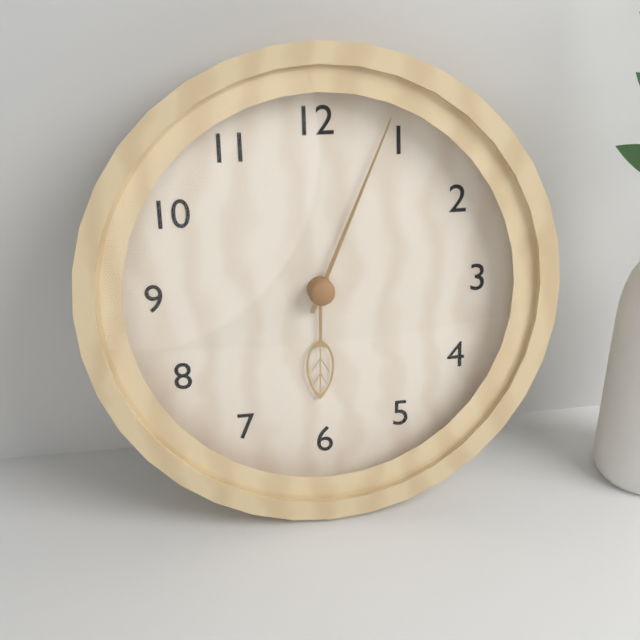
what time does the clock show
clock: 6:04
